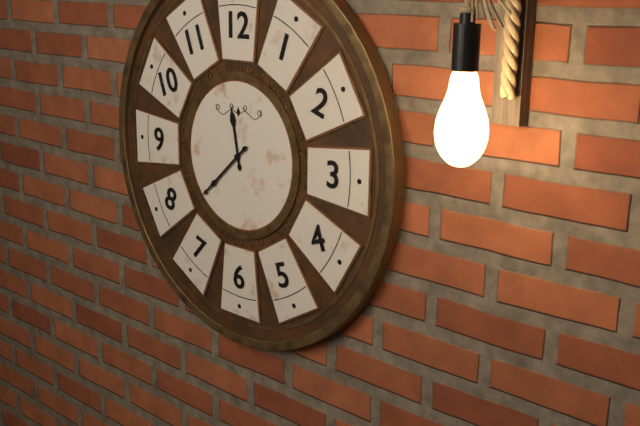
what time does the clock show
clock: 11:38
